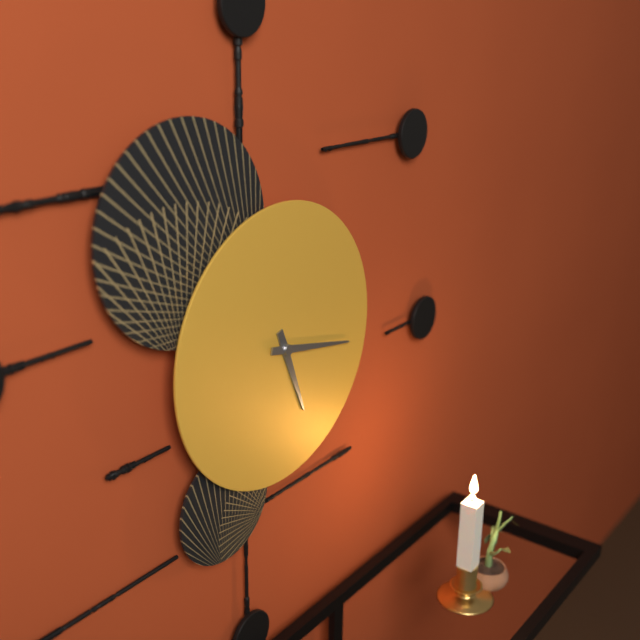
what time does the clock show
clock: 5:17
